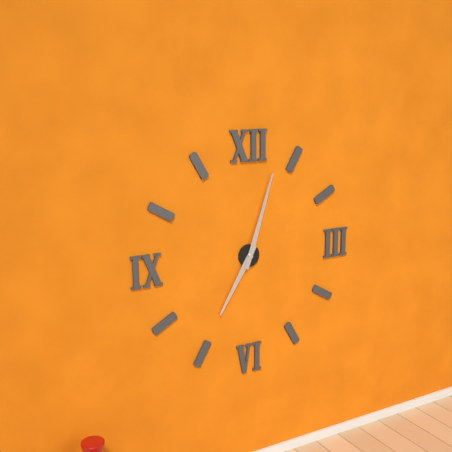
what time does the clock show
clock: 7:03
